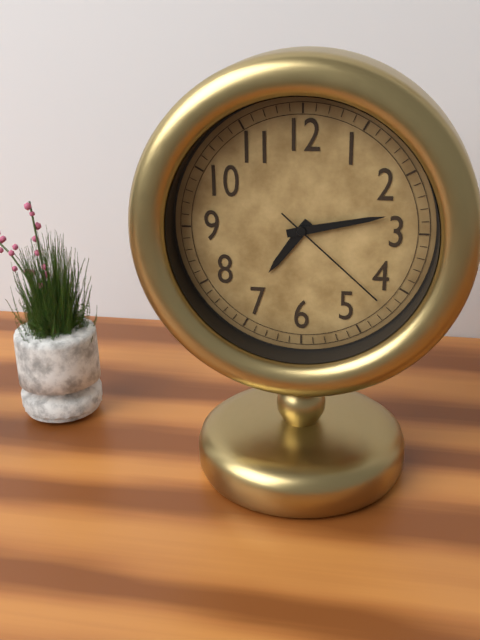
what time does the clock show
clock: 7:13:22
